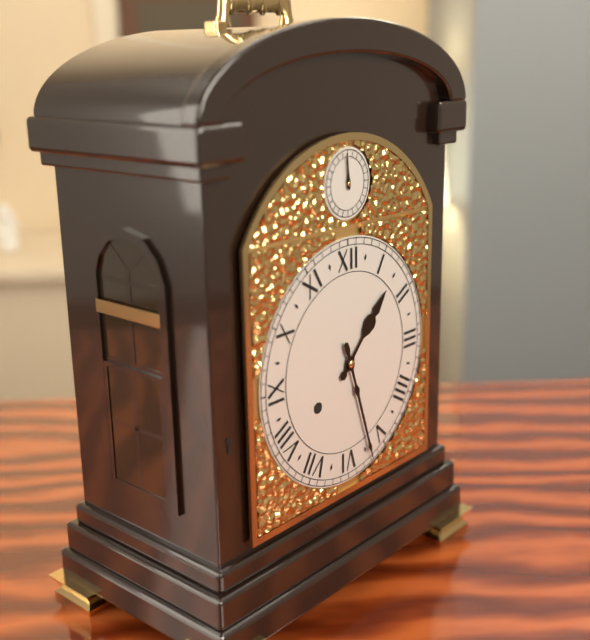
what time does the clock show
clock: 1:27
